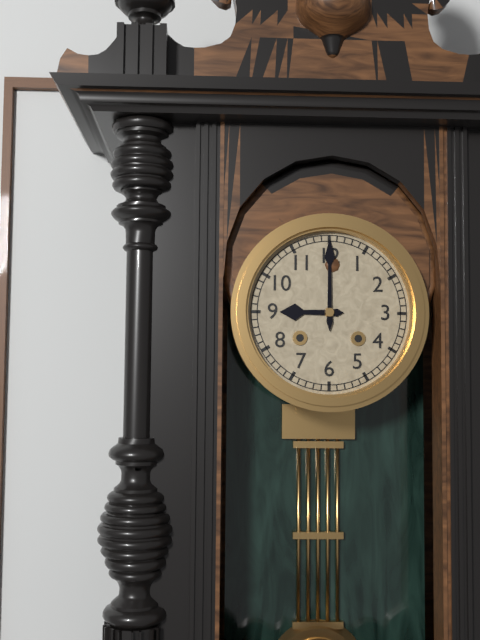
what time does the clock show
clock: 9:00
